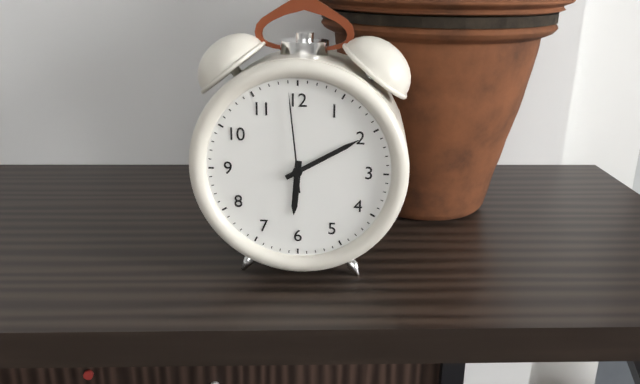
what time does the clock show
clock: 6:10:59
